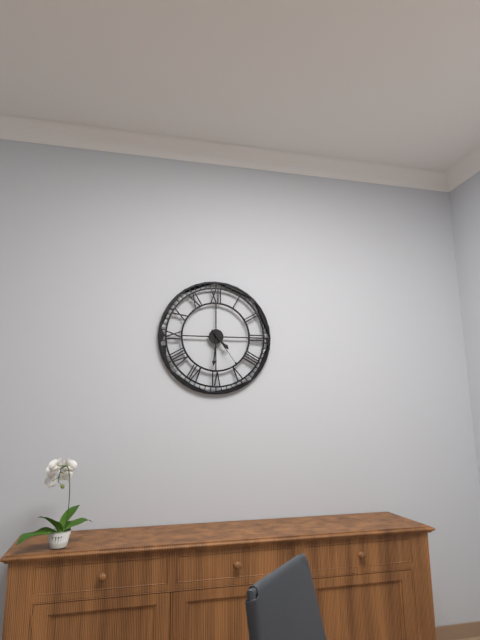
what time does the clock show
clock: 4:31
